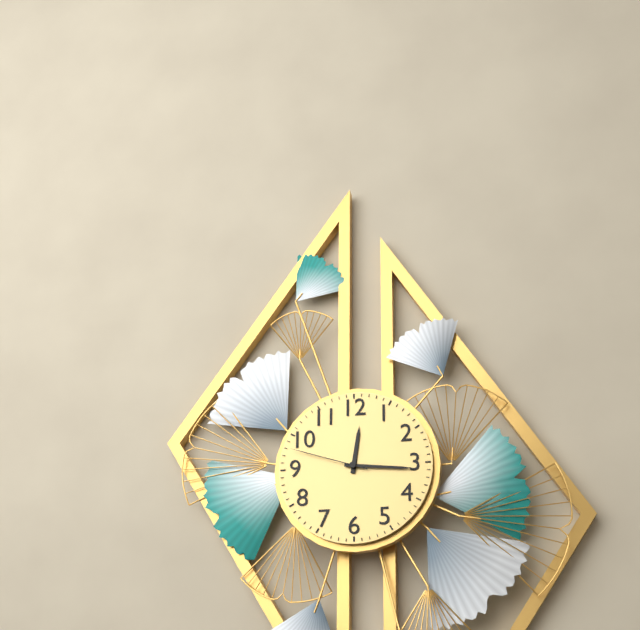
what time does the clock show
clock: 12:16:48
